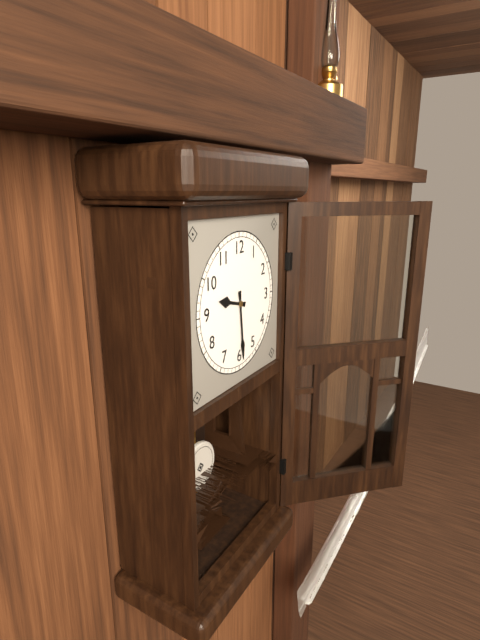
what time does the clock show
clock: 9:29
